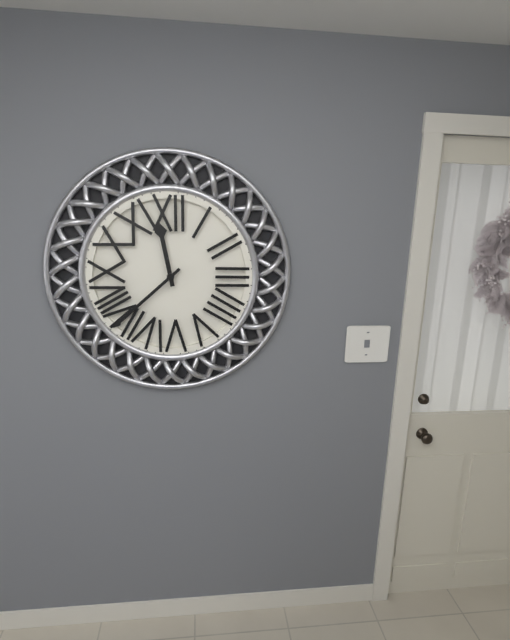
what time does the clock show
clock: 11:38
